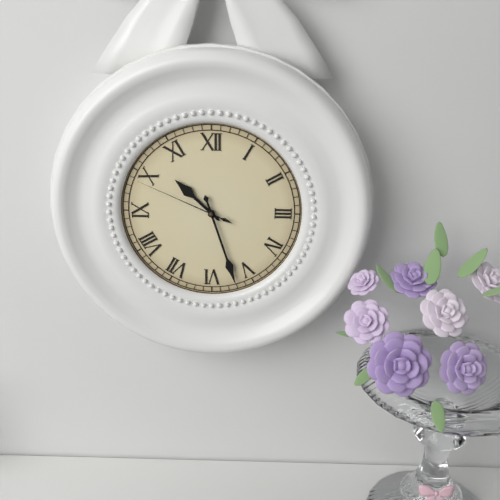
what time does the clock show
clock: 10:27:49
